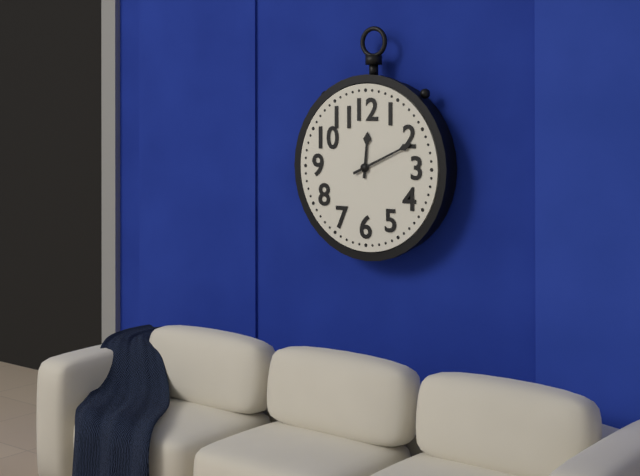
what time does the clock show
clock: 12:11
